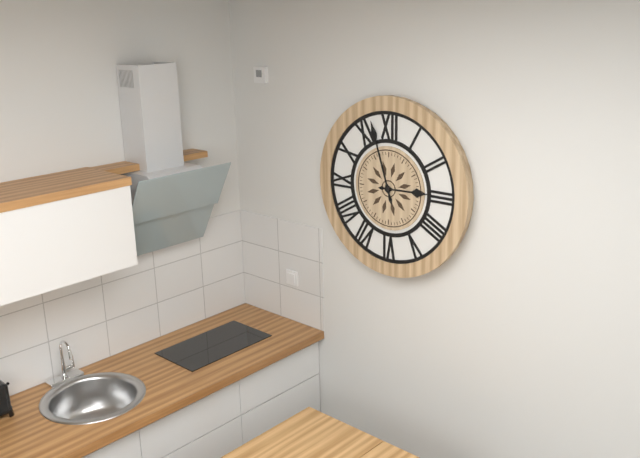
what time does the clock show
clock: 2:57
